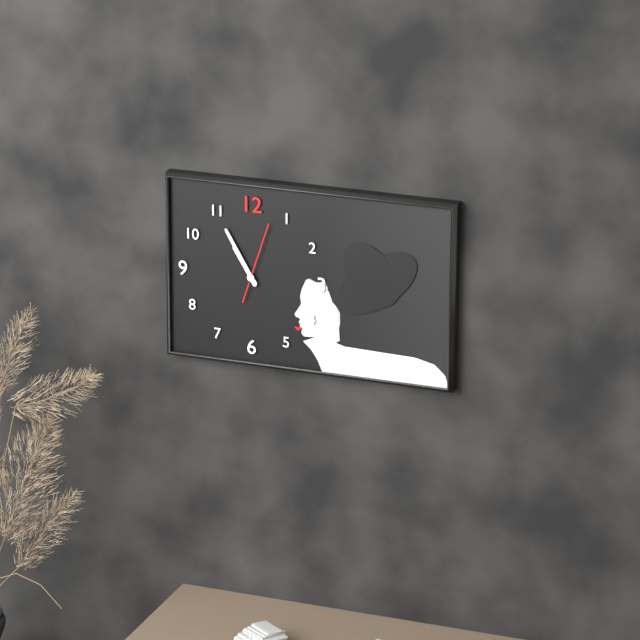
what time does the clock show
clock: 10:55:03
